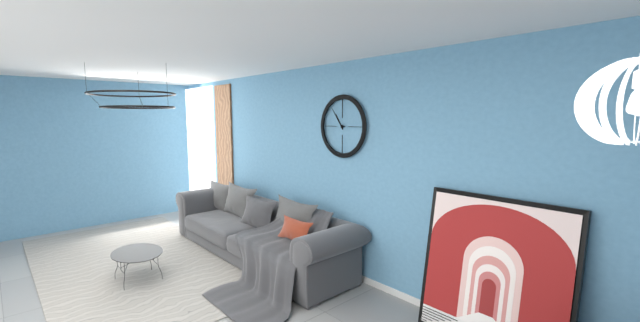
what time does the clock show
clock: 10:54
